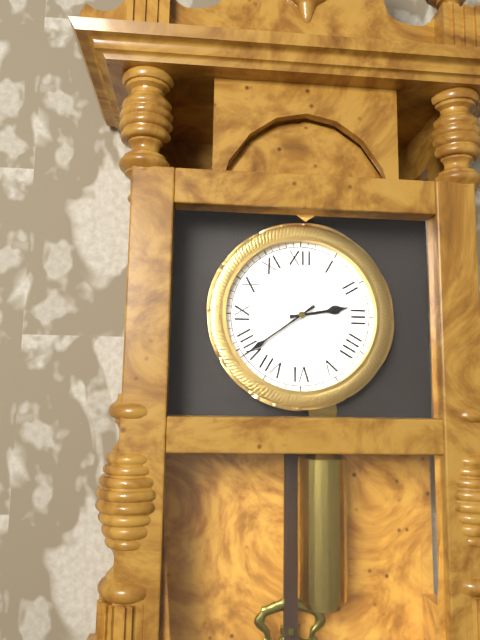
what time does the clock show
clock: 2:39
